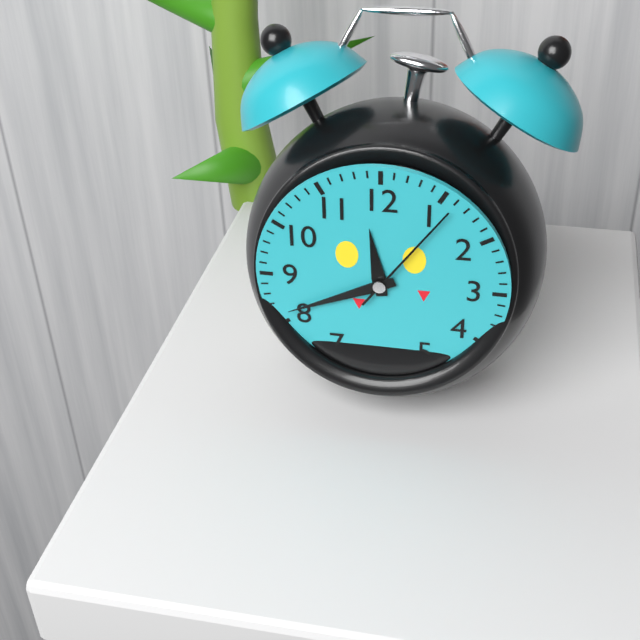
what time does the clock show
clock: 11:41:06
